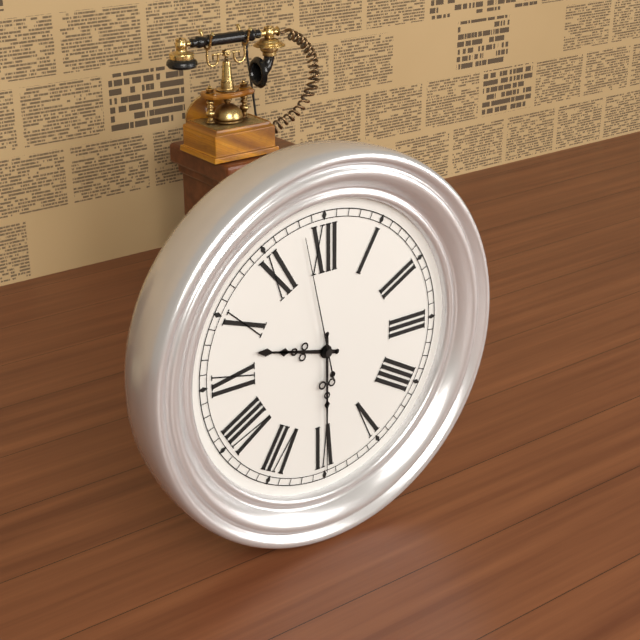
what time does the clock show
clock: 9:30:58
